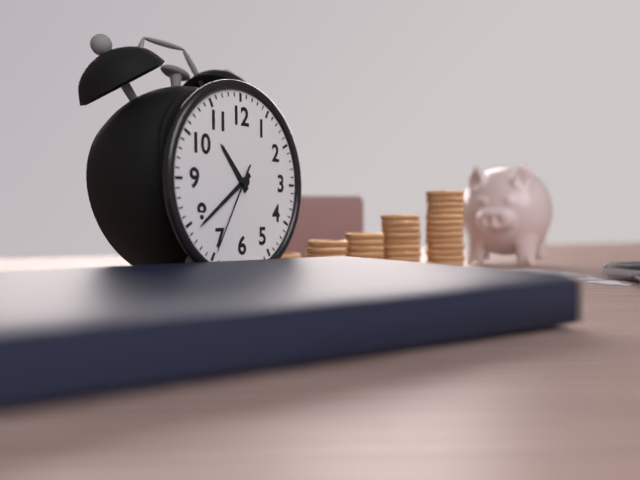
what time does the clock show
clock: 10:39:35
